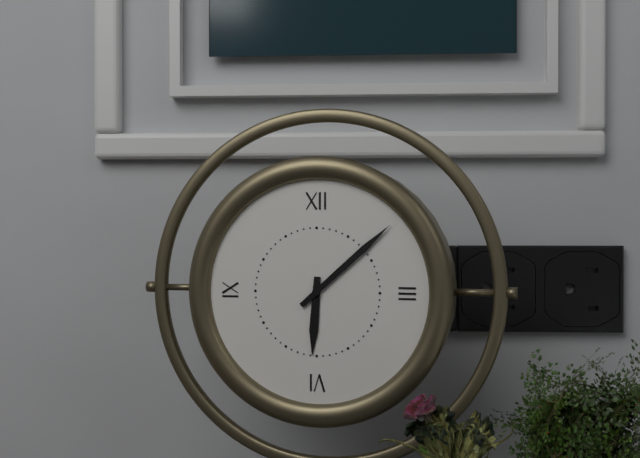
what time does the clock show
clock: 6:08
